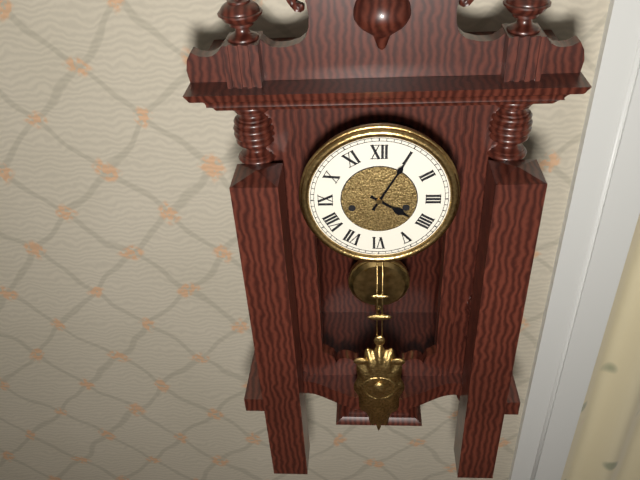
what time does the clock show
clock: 4:05
